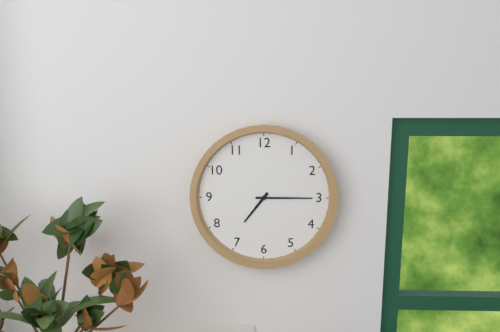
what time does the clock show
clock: 7:15
